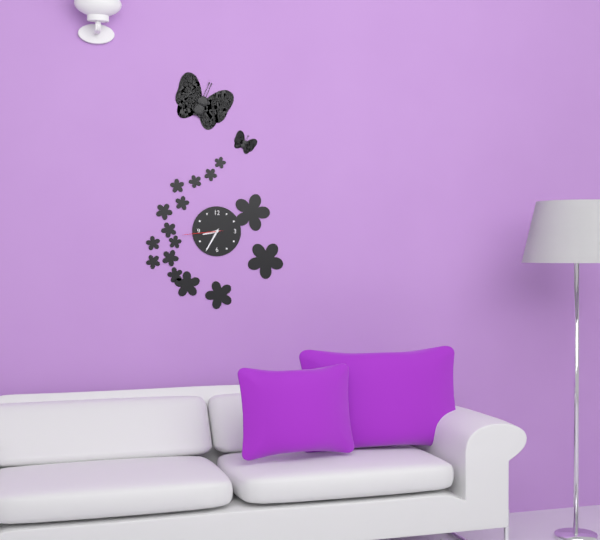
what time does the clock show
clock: 8:35
